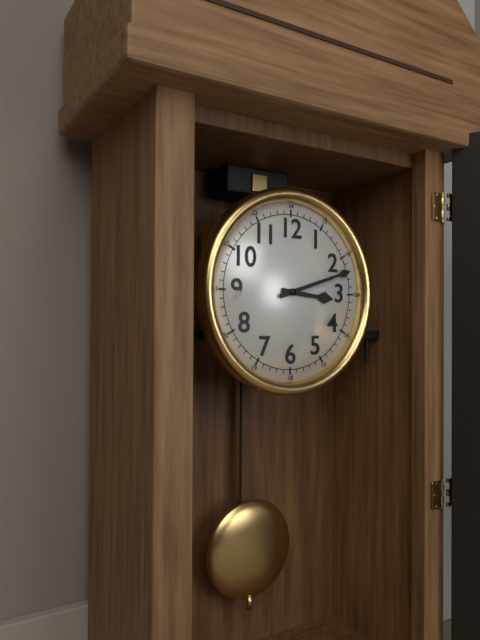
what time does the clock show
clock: 3:12
